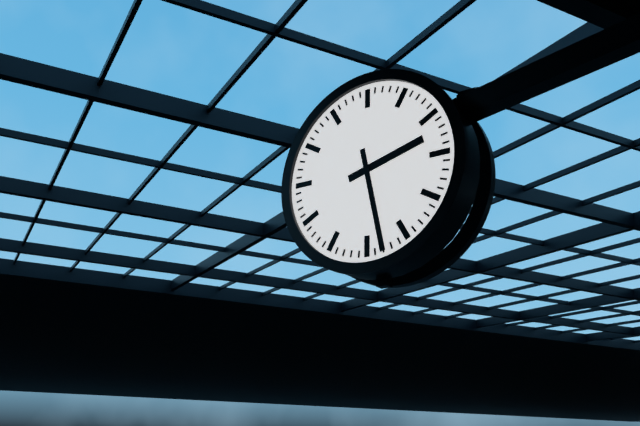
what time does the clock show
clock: 2:28
